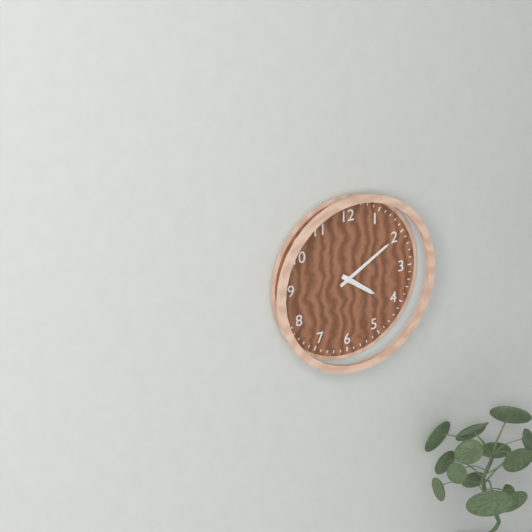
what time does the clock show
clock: 4:10
